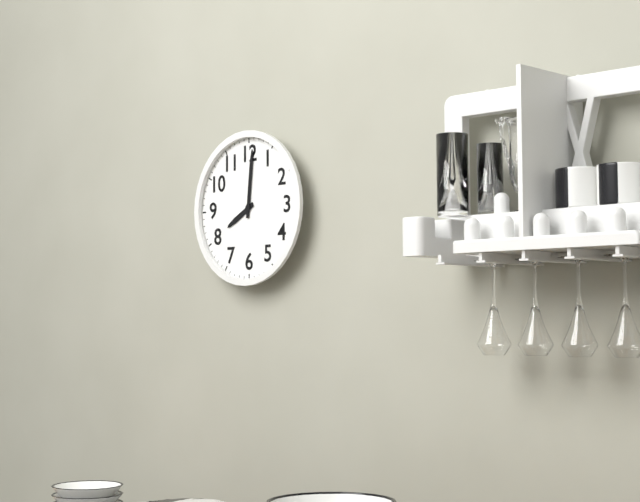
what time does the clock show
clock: 8:01
